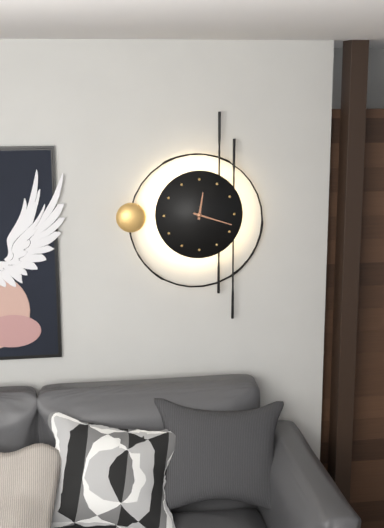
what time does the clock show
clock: 12:18
